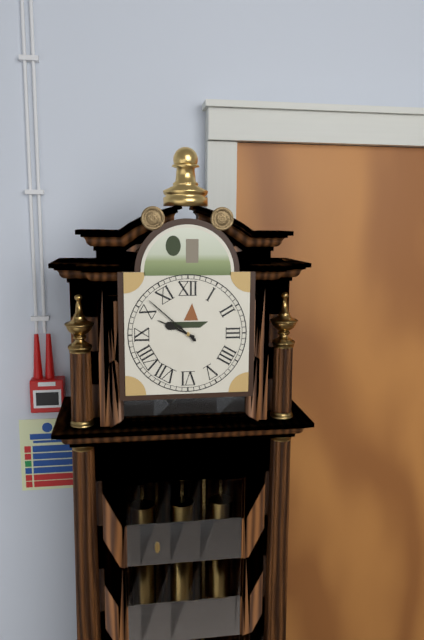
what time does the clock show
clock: 9:52
